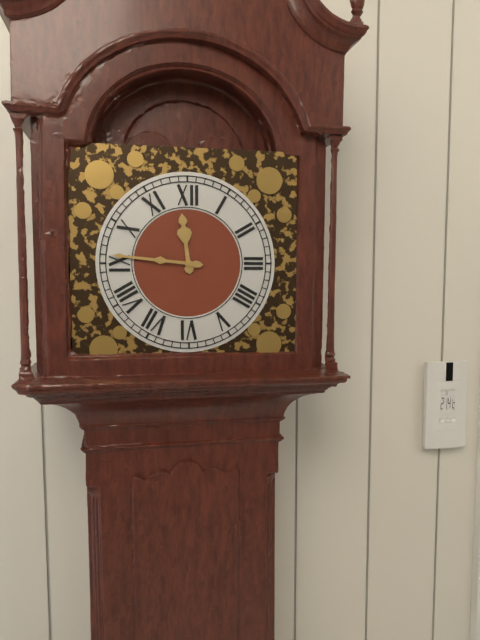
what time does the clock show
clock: 11:46
